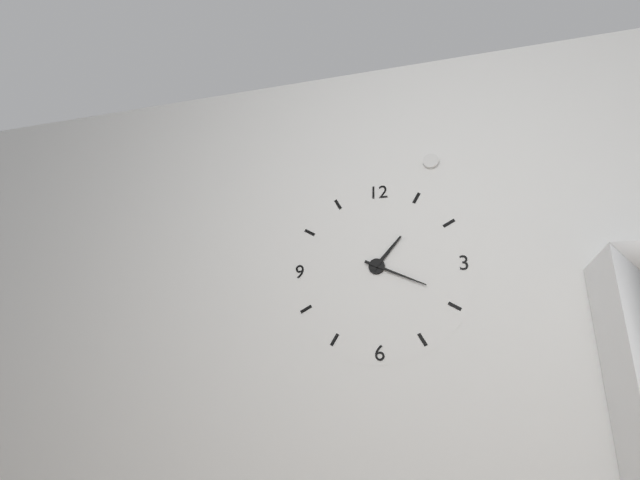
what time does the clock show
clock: 1:19
